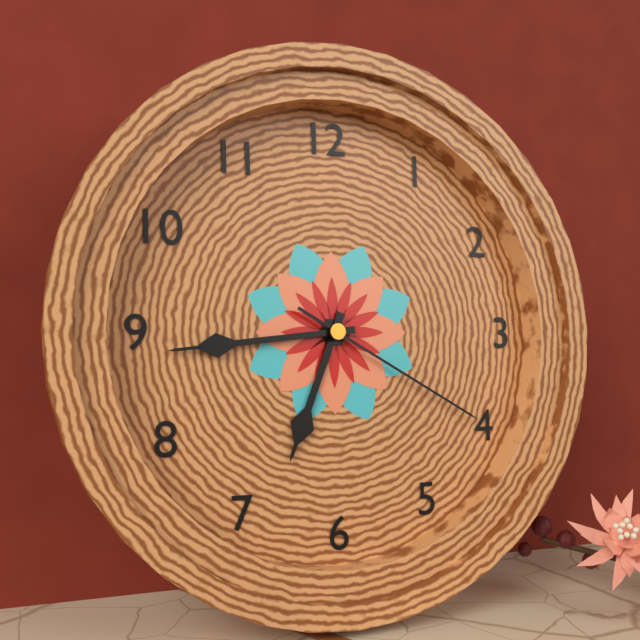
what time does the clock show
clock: 6:44:20
